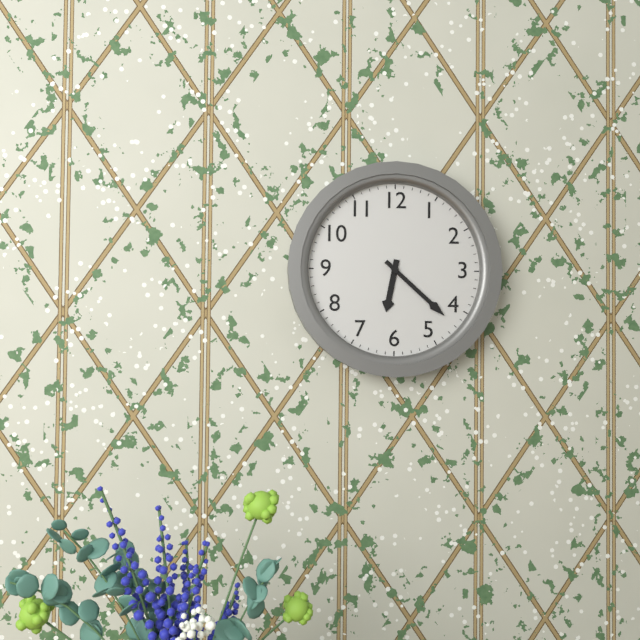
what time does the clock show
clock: 6:22
